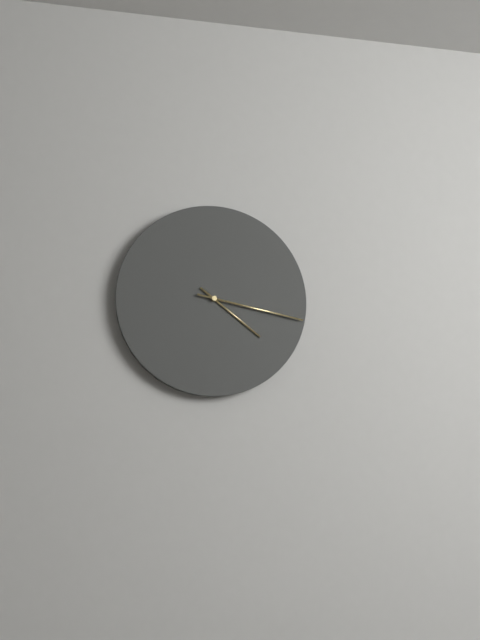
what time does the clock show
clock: 4:17
